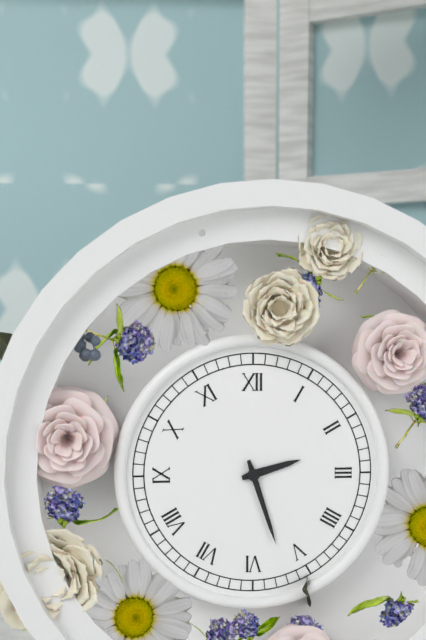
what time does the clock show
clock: 2:27
